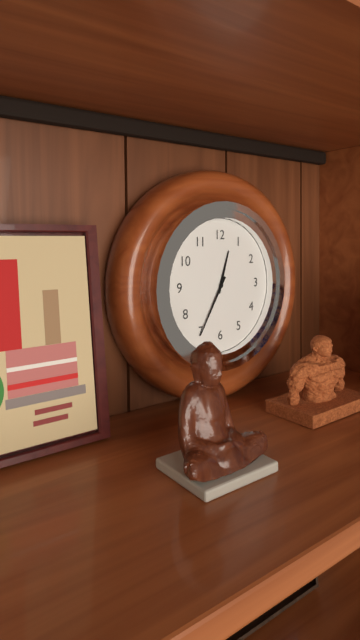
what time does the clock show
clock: 12:35
